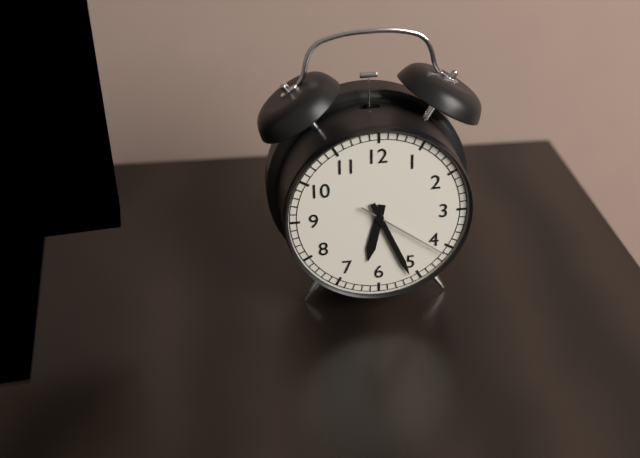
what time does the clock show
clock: 6:26:21
